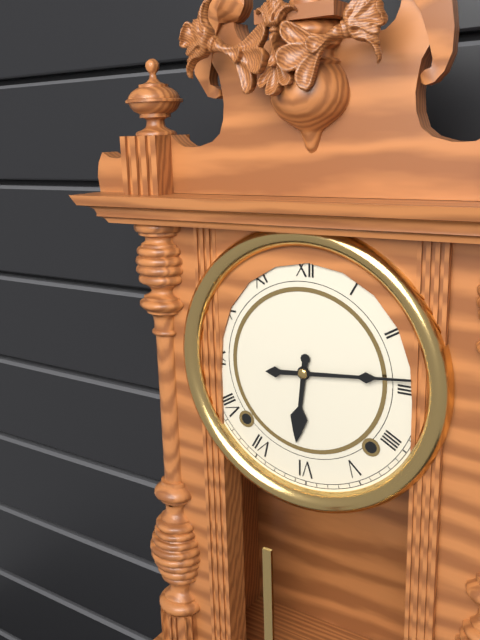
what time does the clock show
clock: 6:14
